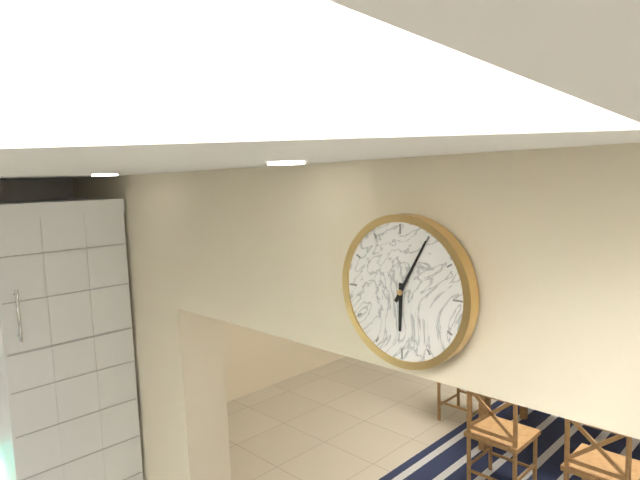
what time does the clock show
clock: 6:05
